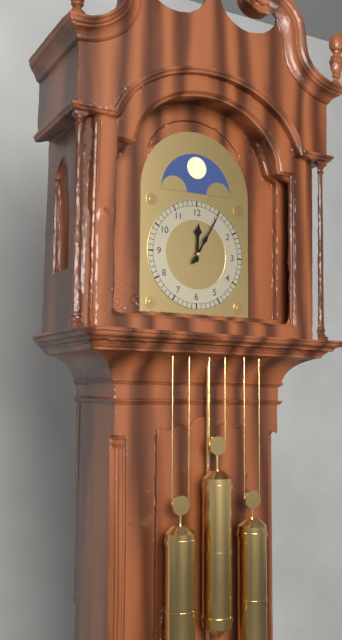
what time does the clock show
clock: 12:05
